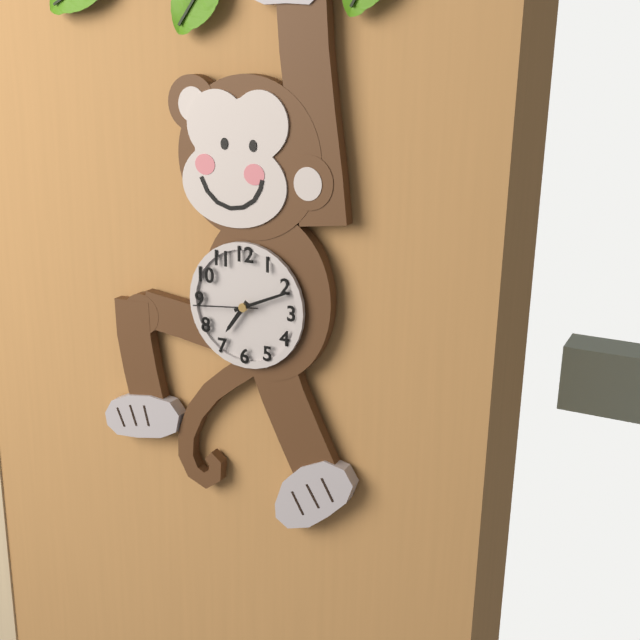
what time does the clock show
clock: 7:11:44
